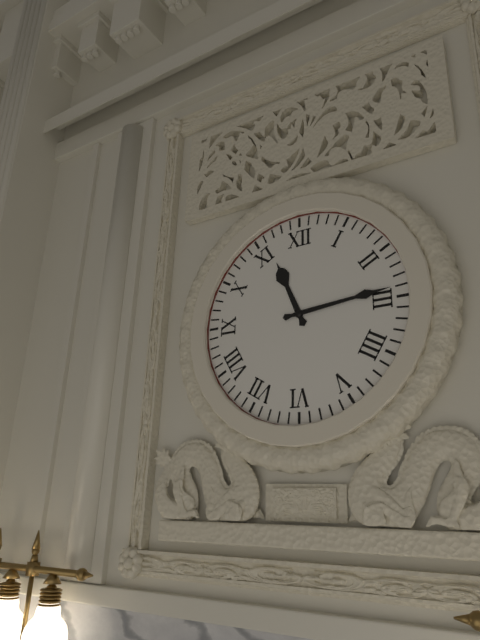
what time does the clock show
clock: 11:14
